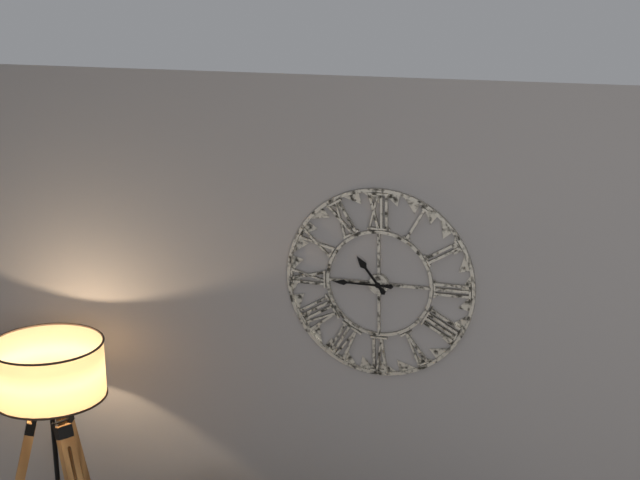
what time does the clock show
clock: 10:45
